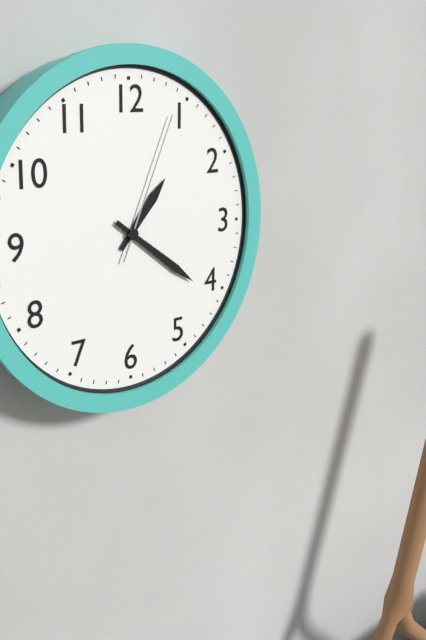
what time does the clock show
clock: 1:21:04
